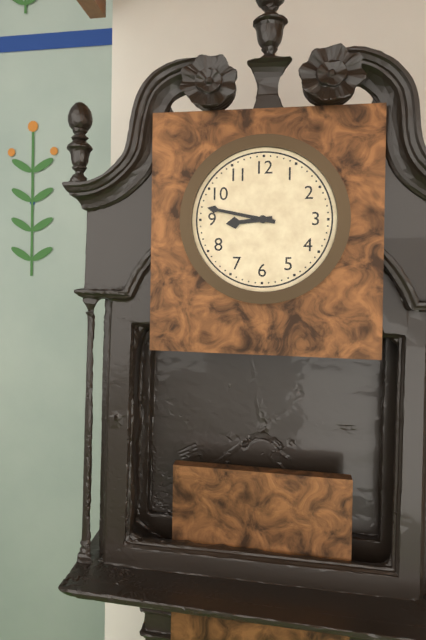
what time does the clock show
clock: 8:47
